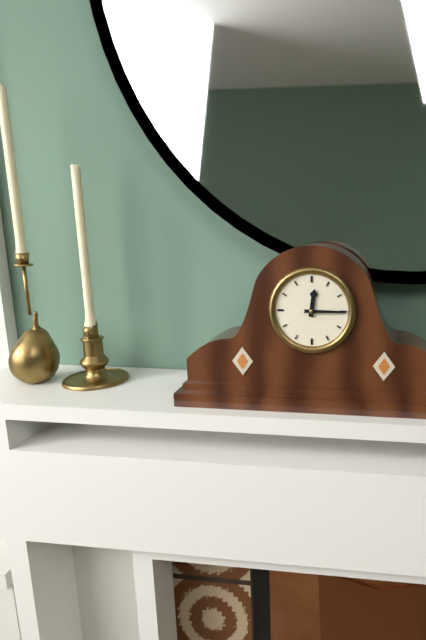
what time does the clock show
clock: 12:15
